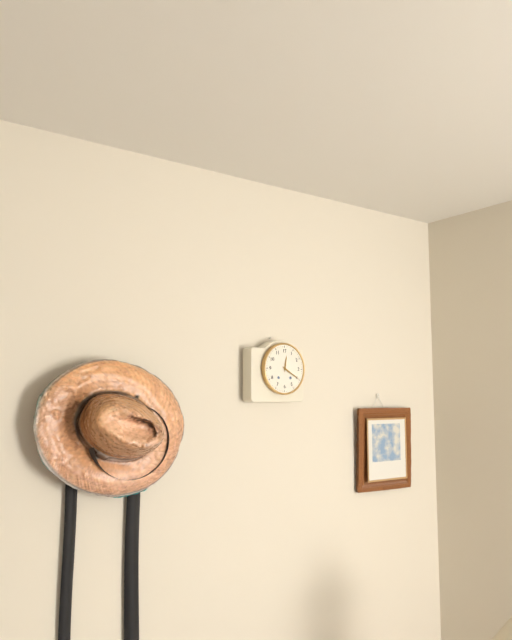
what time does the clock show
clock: 12:20
